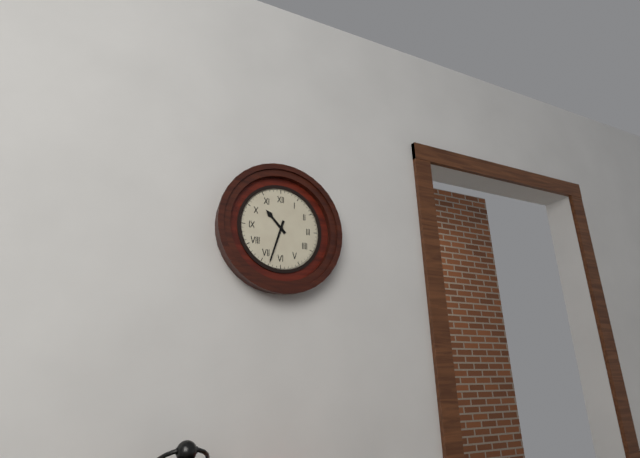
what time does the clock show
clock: 10:33
